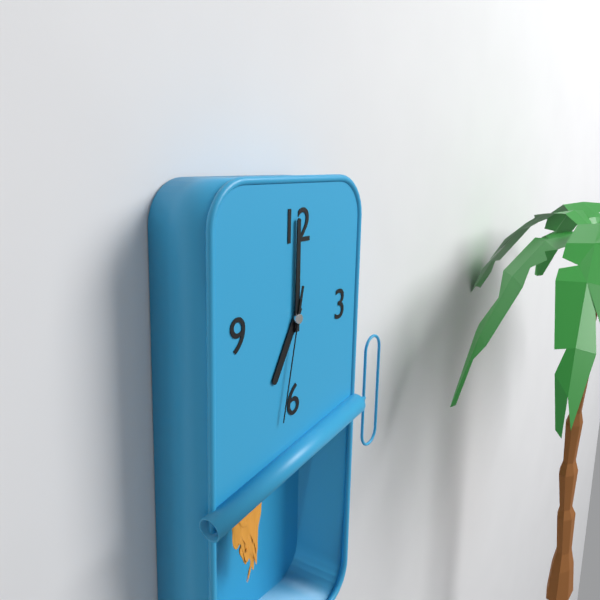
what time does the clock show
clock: 7:00:32
